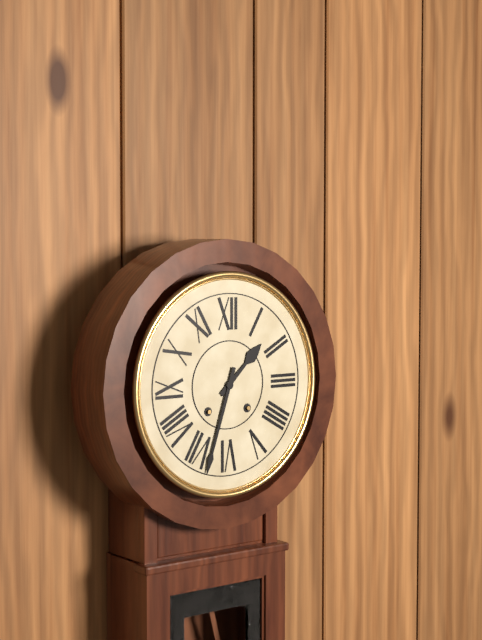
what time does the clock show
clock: 1:33
